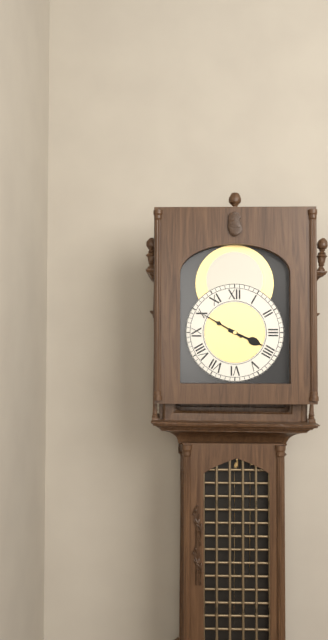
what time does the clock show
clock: 3:50
